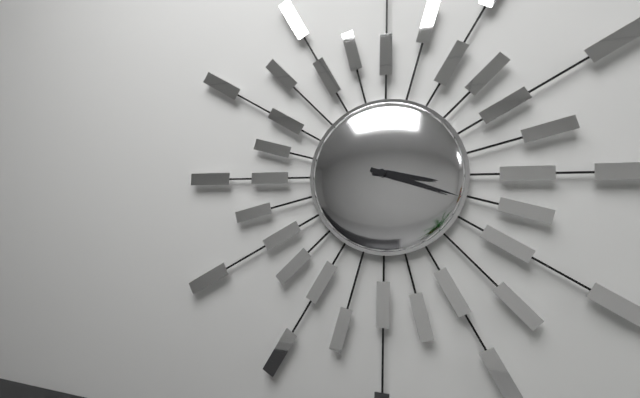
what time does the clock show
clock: 3:18
